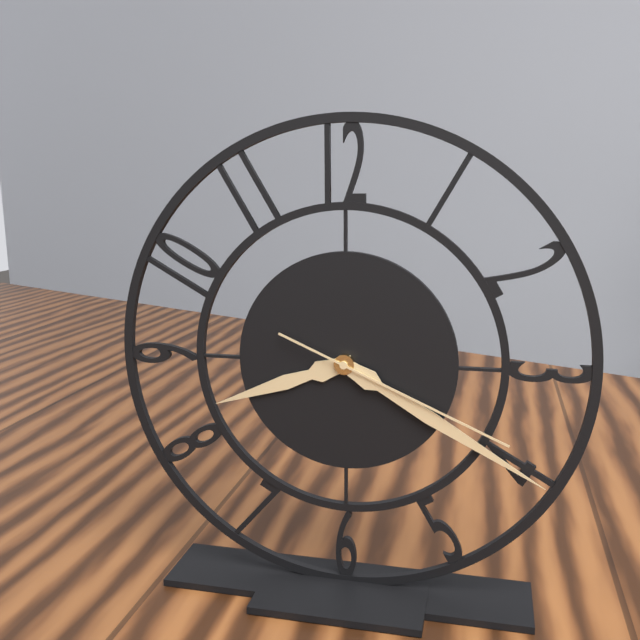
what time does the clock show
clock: 8:20:19
